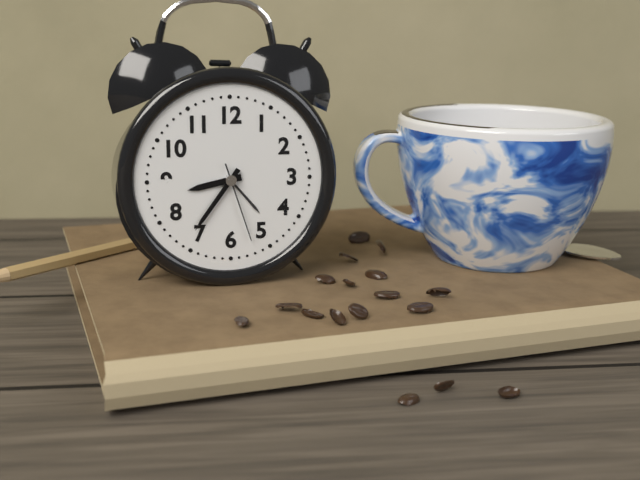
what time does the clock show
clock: 8:36:27
